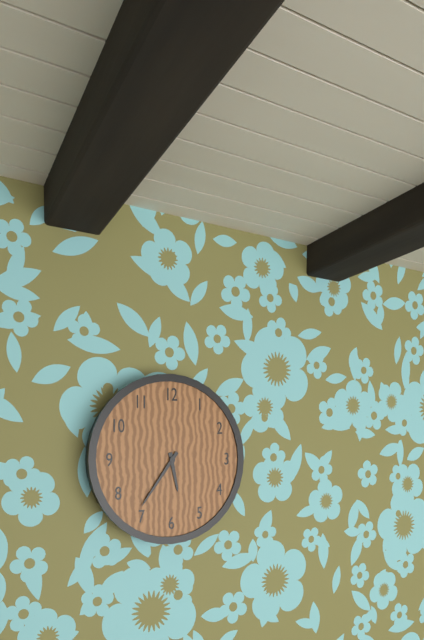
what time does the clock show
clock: 5:36
